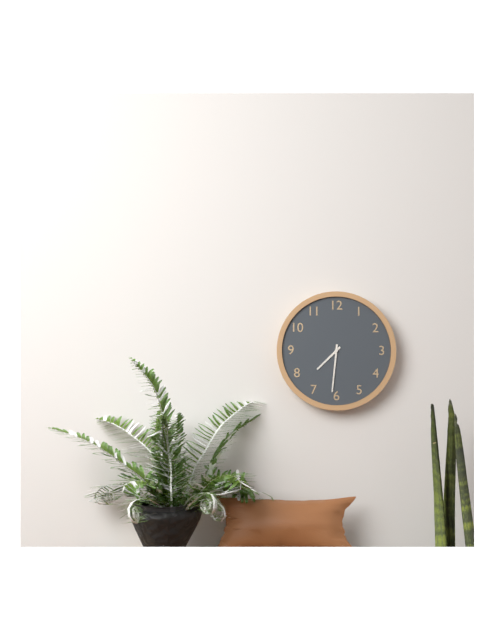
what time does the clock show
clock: 7:31
